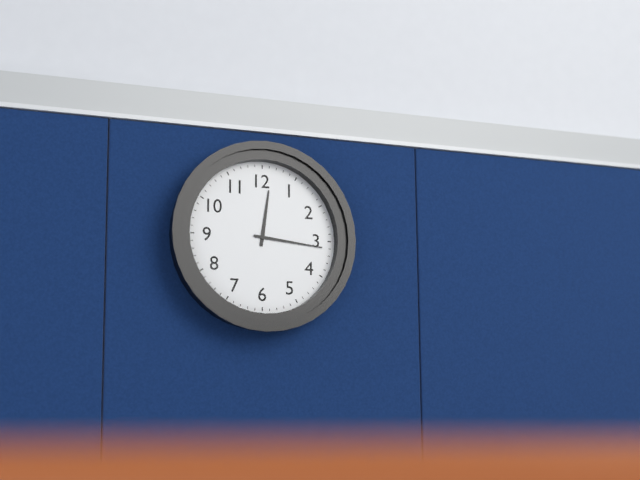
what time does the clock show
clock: 12:16
